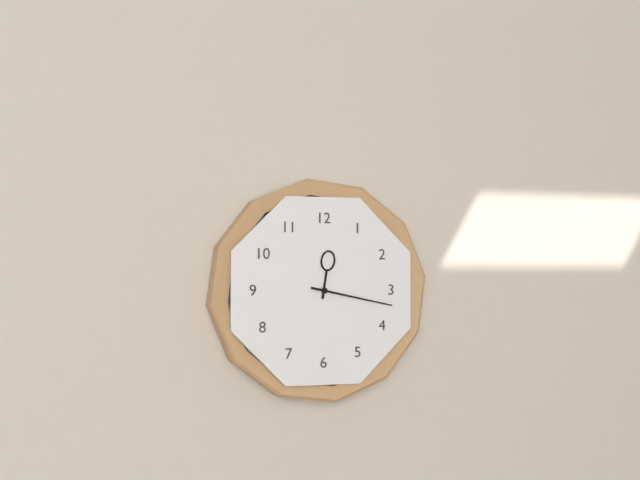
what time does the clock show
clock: 12:17
